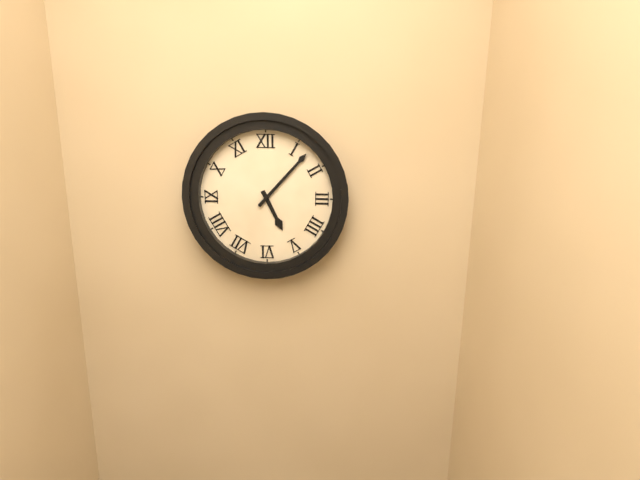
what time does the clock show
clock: 5:07
